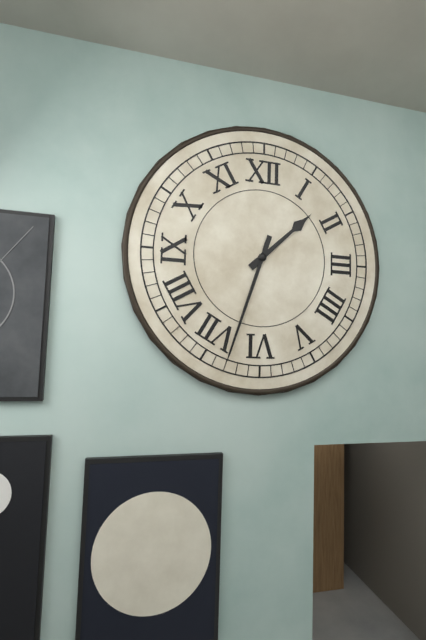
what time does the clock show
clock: 1:33
